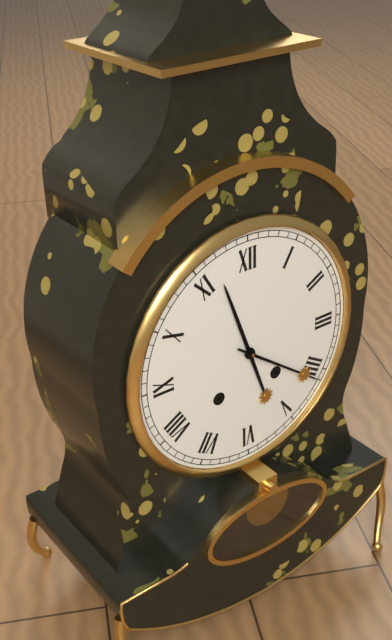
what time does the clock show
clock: 11:21
